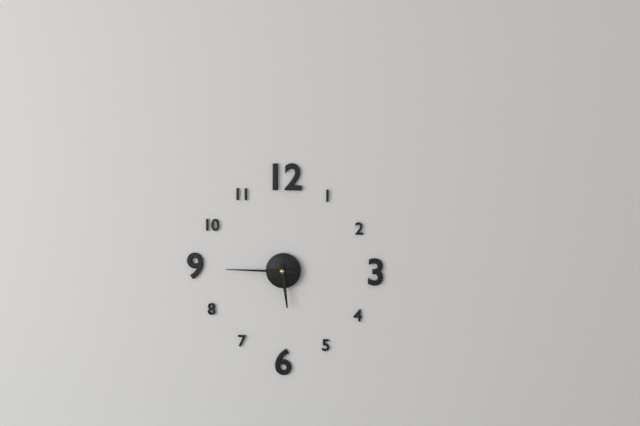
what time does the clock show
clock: 5:45
